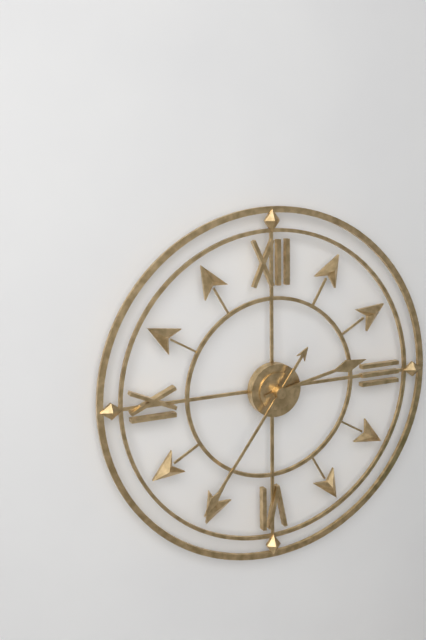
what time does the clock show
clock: 2:36
